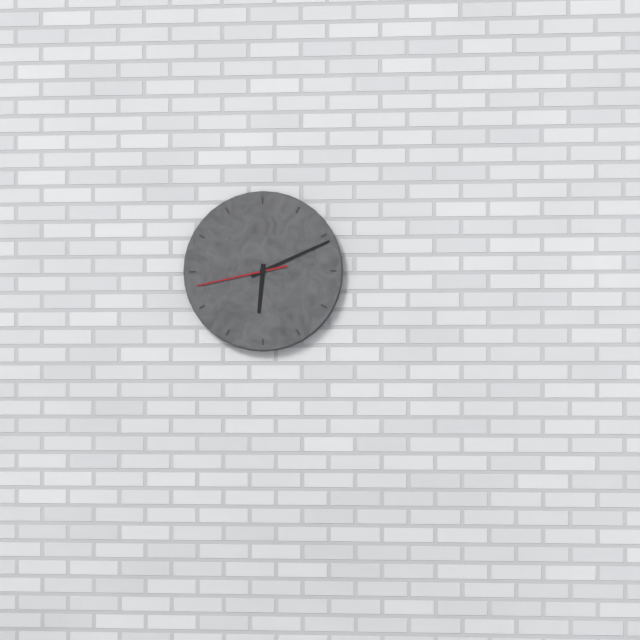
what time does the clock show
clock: 6:11:43
